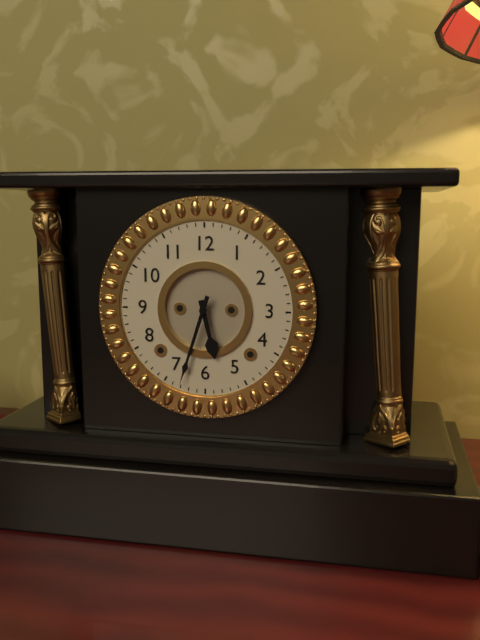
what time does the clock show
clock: 5:33
